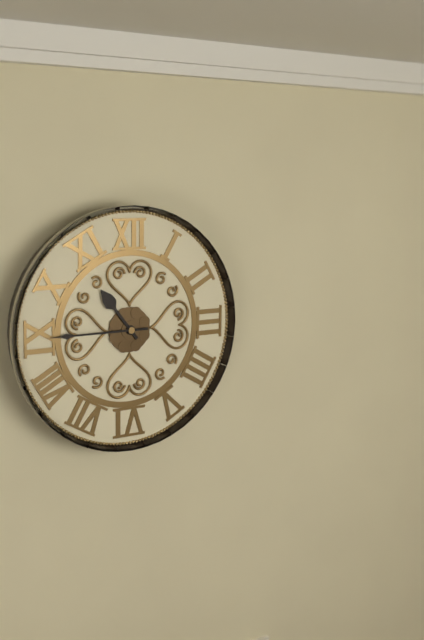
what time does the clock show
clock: 10:45
